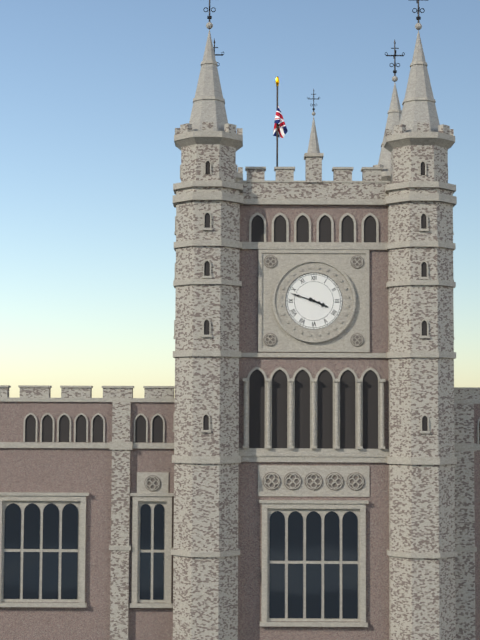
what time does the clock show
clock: 3:48
